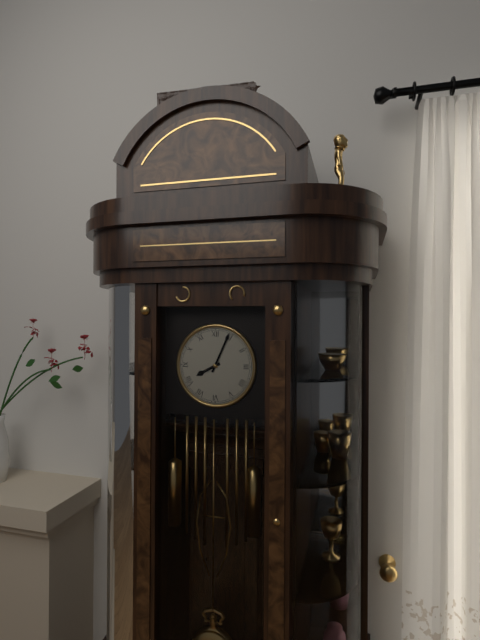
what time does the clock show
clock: 8:04
